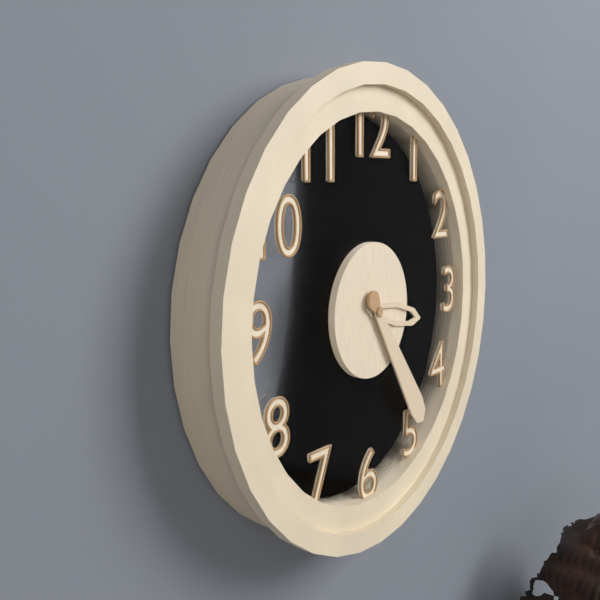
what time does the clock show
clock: 3:24
